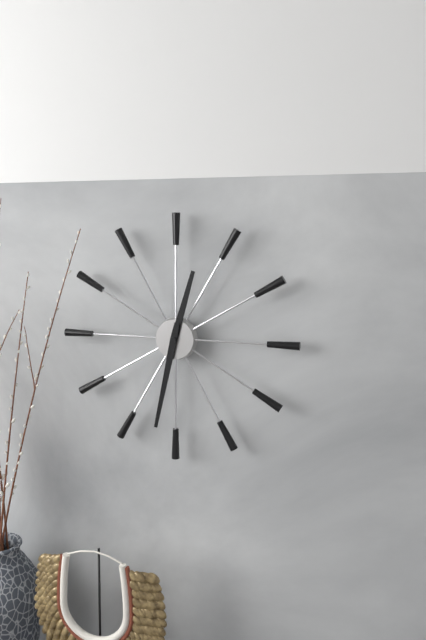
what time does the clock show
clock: 12:32
